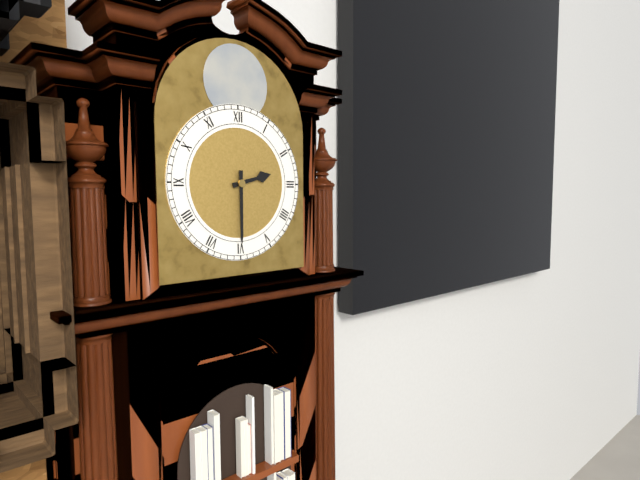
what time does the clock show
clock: 2:30
